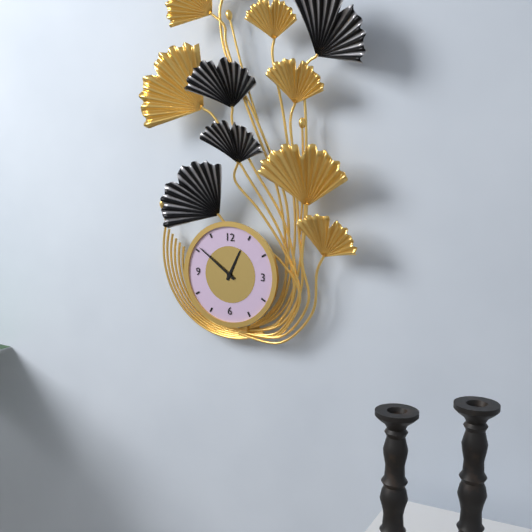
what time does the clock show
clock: 12:51
